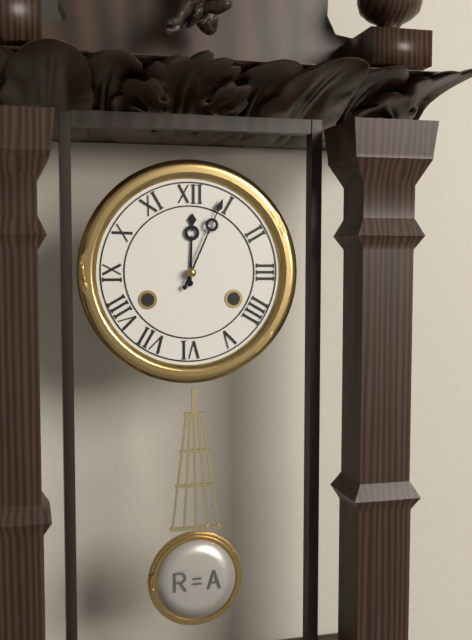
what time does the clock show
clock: 12:04
